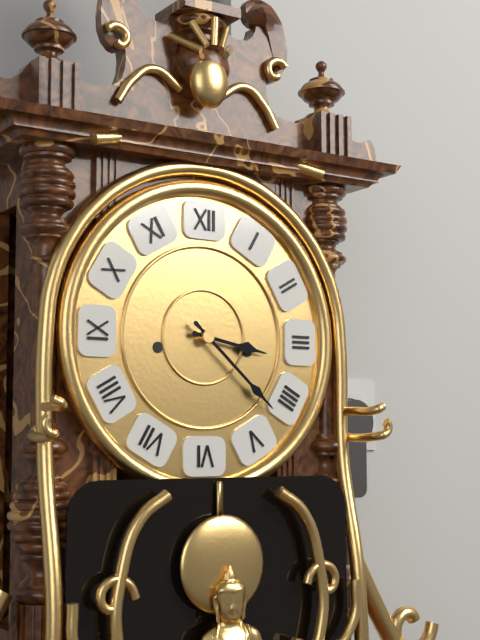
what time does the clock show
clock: 3:22
